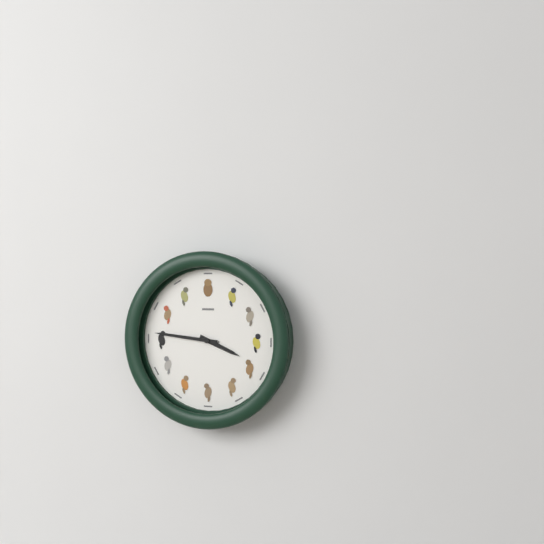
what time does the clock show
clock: 3:46
